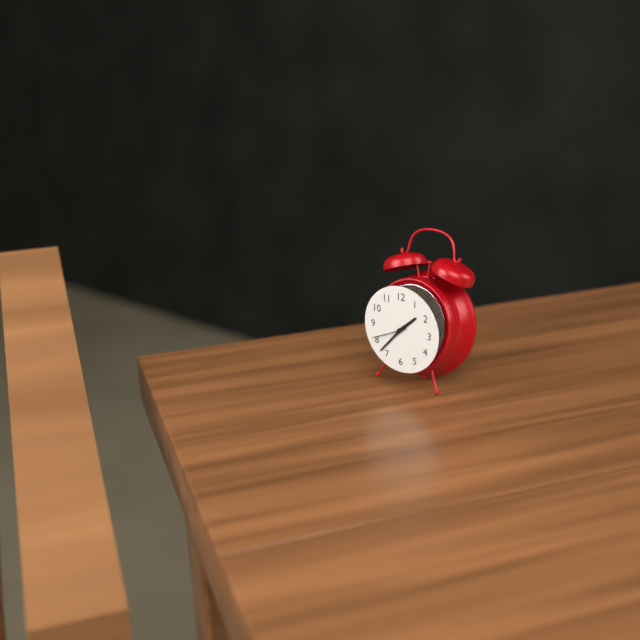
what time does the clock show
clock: 1:37
